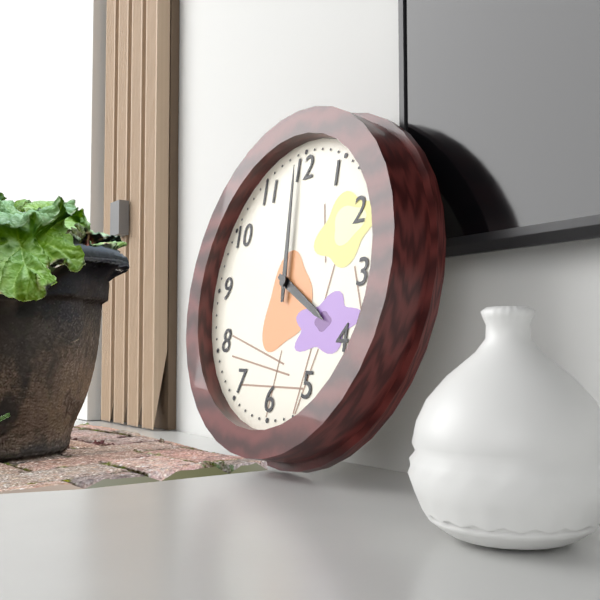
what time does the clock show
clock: 3:59
